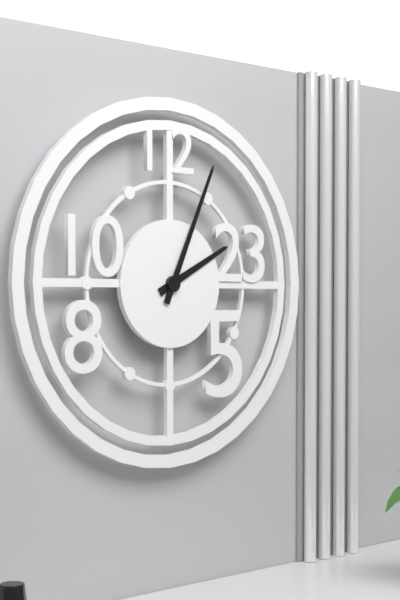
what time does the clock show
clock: 2:04
